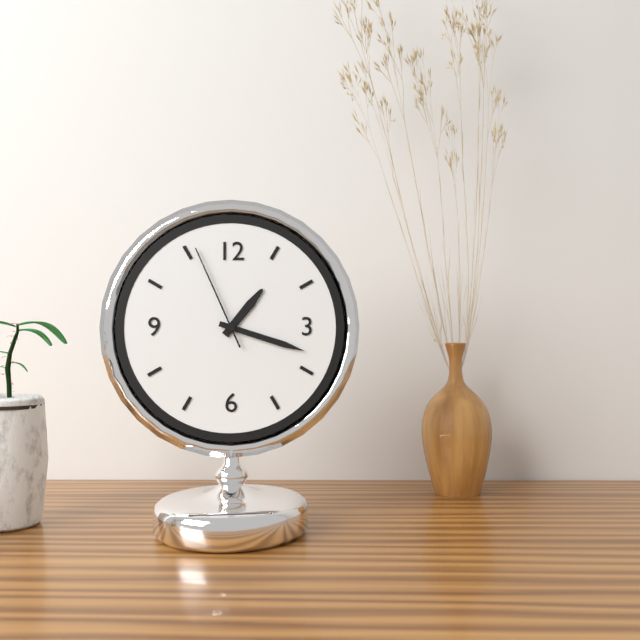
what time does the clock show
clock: 1:18:56
